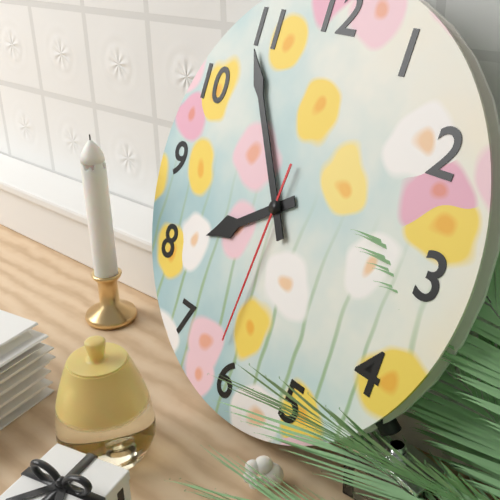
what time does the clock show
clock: 7:54:31
